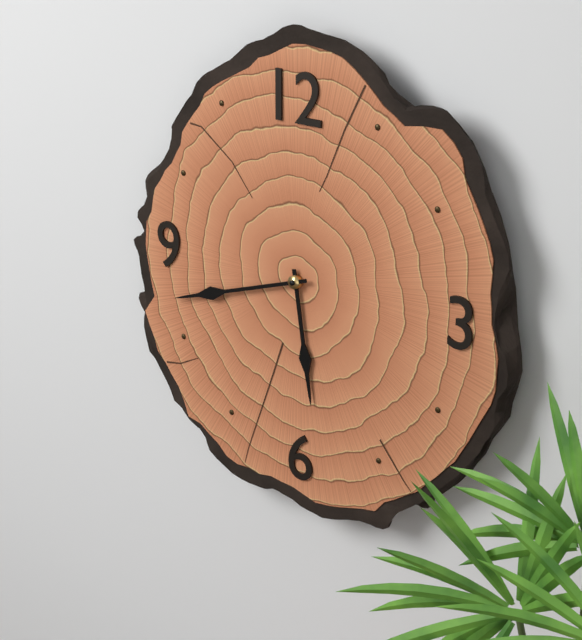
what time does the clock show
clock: 5:42
